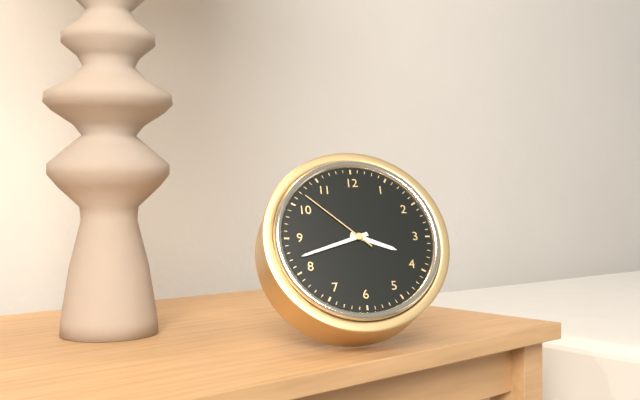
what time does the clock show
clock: 3:42:52
